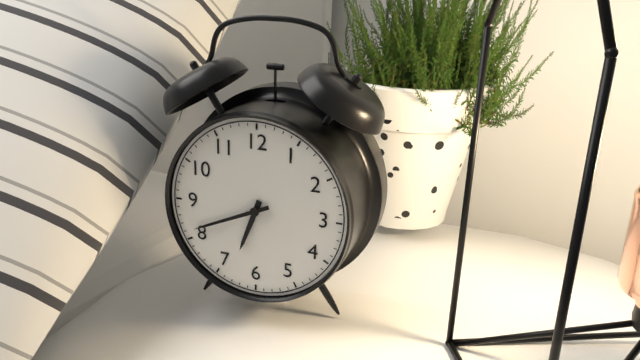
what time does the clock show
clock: 6:41
